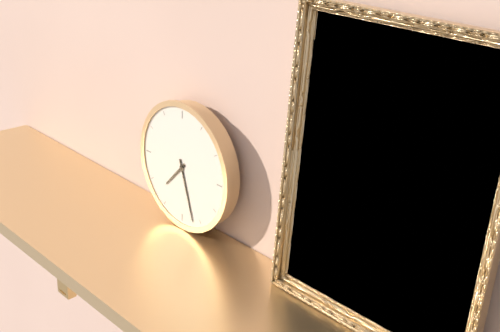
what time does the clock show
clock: 7:27
